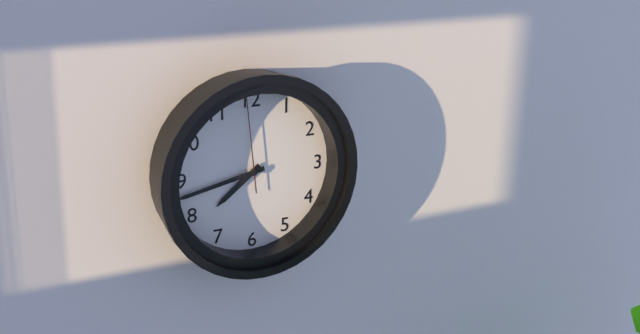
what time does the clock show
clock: 7:43:59
